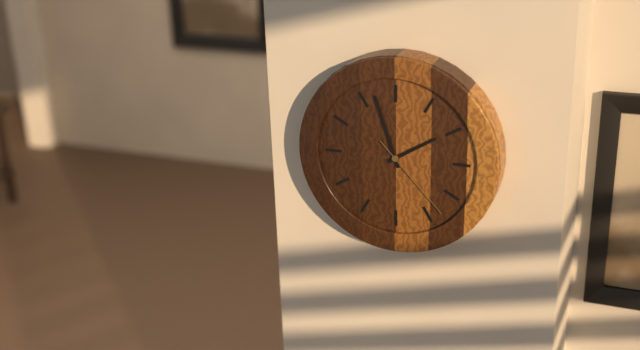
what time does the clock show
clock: 1:57:23
